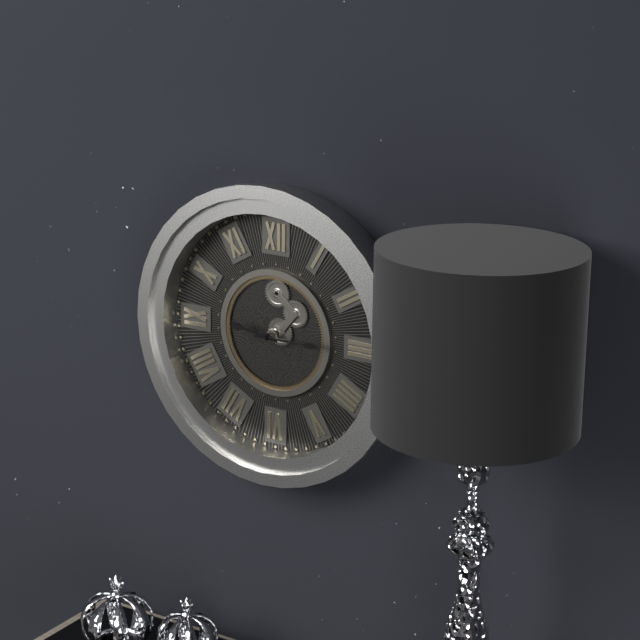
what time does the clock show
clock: 9:15
